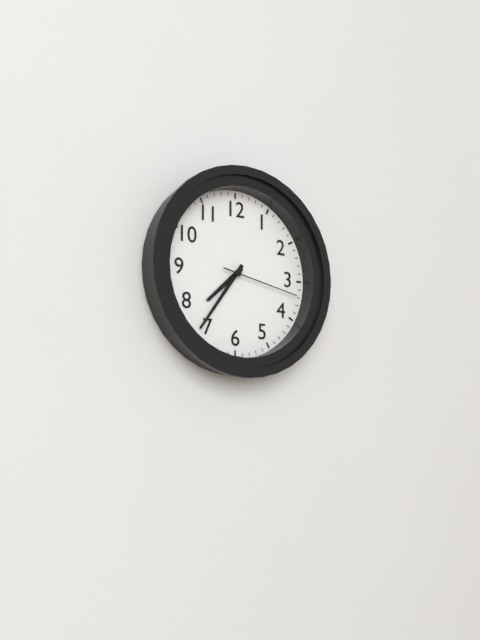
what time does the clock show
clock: 7:36:17
